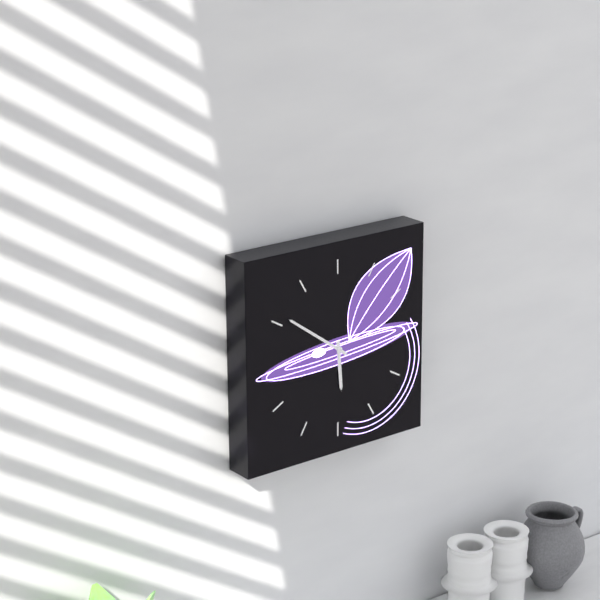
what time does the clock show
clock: 5:51
